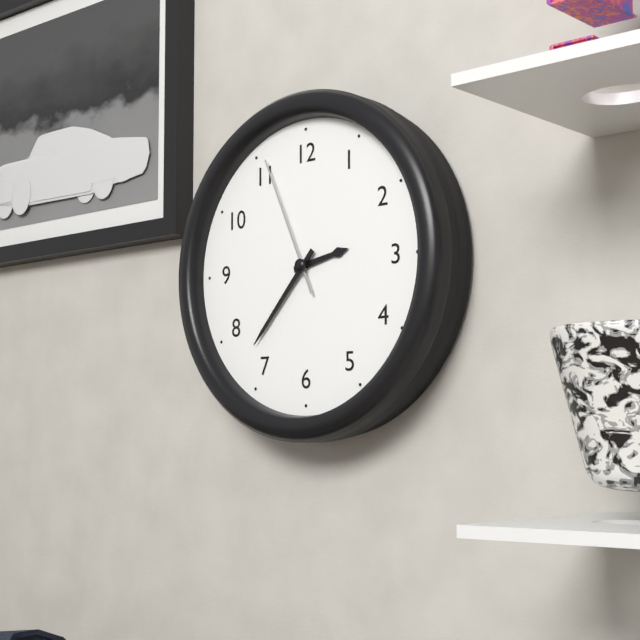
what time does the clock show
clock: 2:37:56
